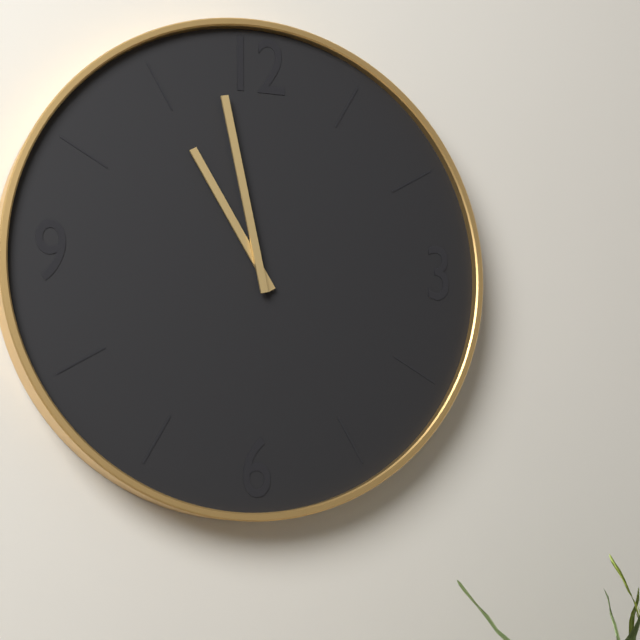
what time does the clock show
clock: 10:58
